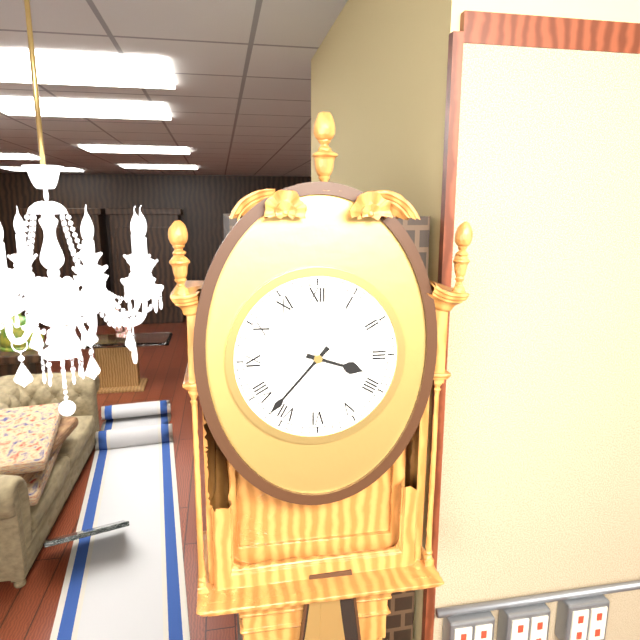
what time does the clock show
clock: 3:37
